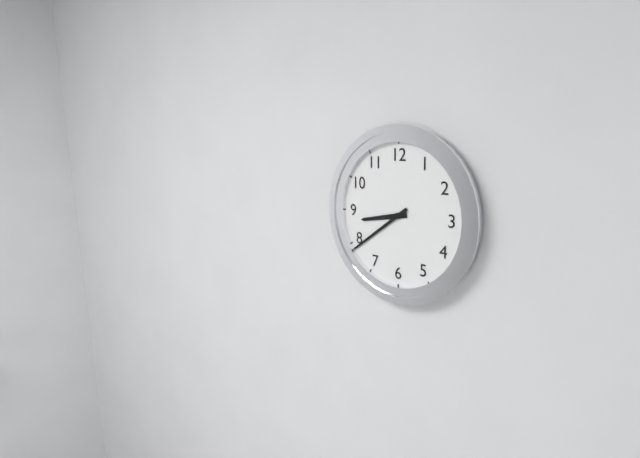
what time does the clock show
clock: 8:39
